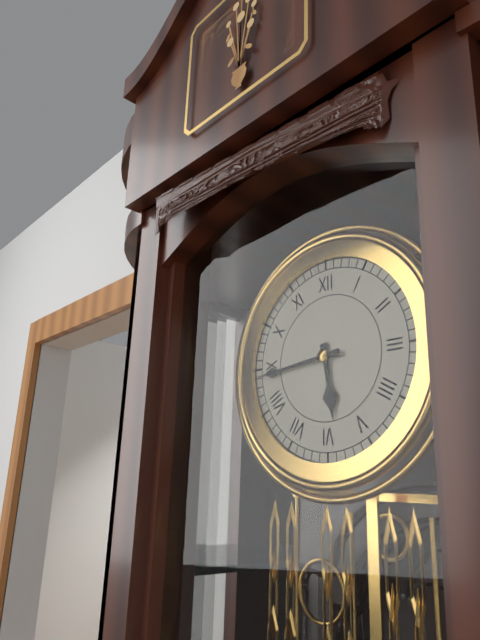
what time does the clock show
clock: 5:44
